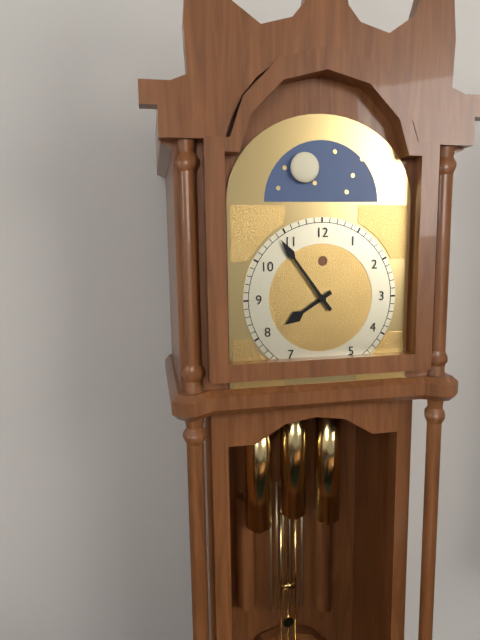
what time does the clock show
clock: 7:54
